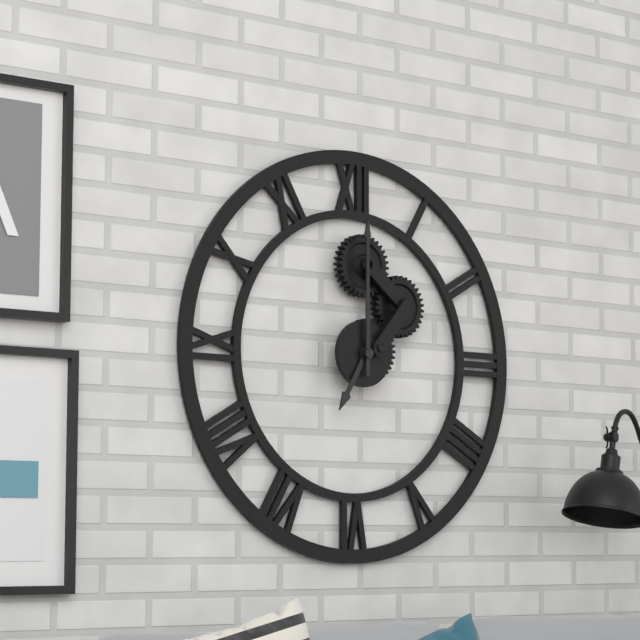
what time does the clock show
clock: 7:00
